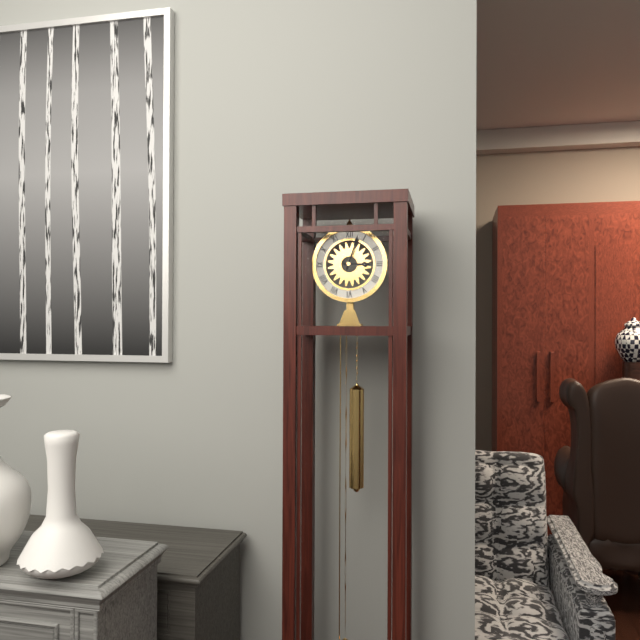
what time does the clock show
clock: 3:03
